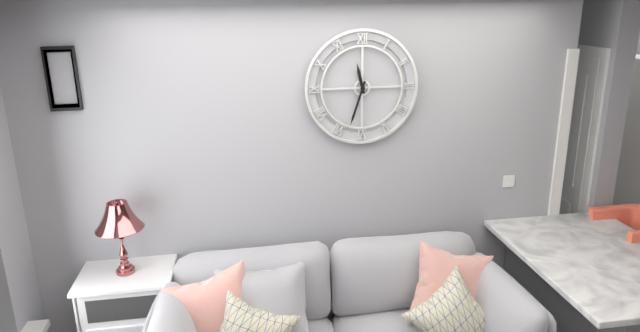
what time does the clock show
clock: 11:33
